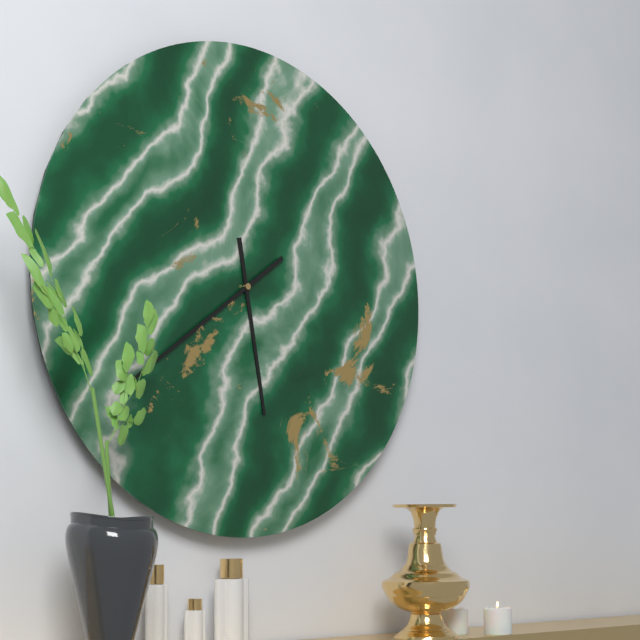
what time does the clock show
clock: 5:39
